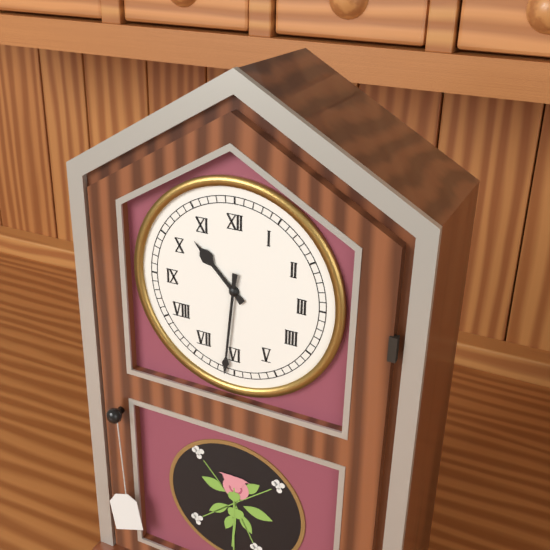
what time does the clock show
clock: 10:31
